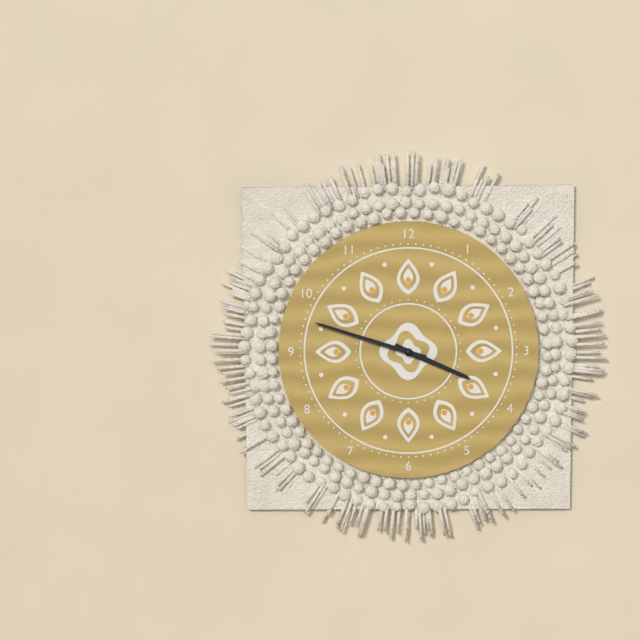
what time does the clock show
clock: 3:48
